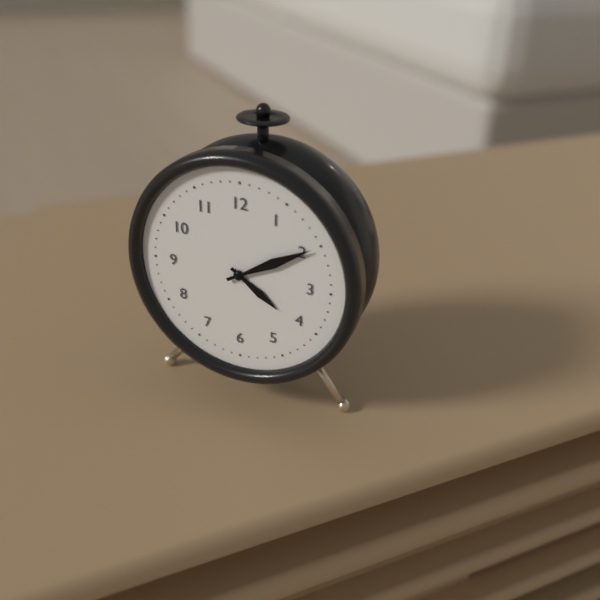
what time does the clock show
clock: 4:10
